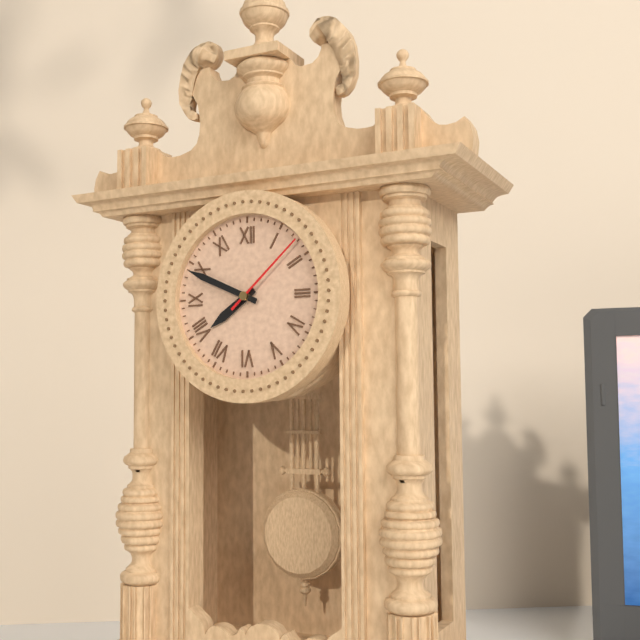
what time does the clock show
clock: 7:49:08
